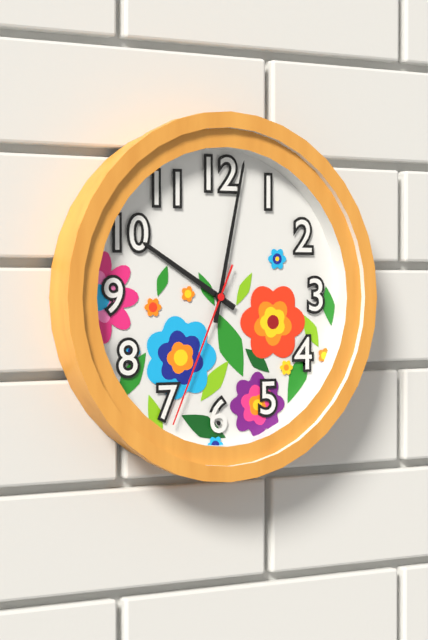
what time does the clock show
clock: 10:02:34
